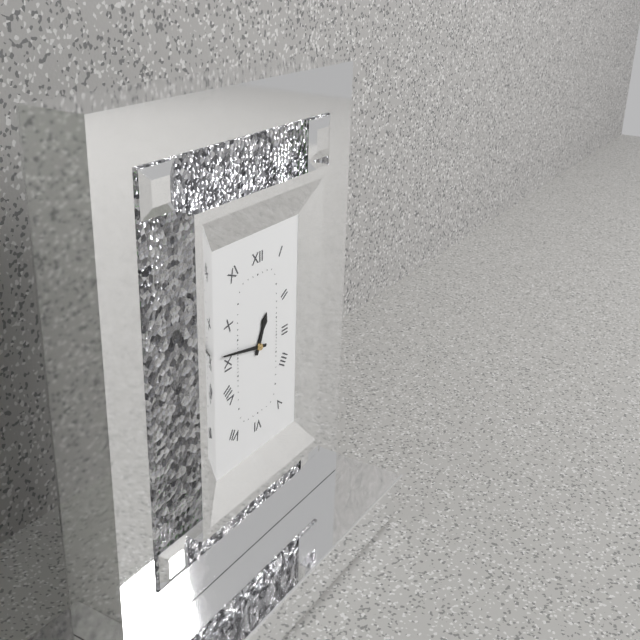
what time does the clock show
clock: 12:47
